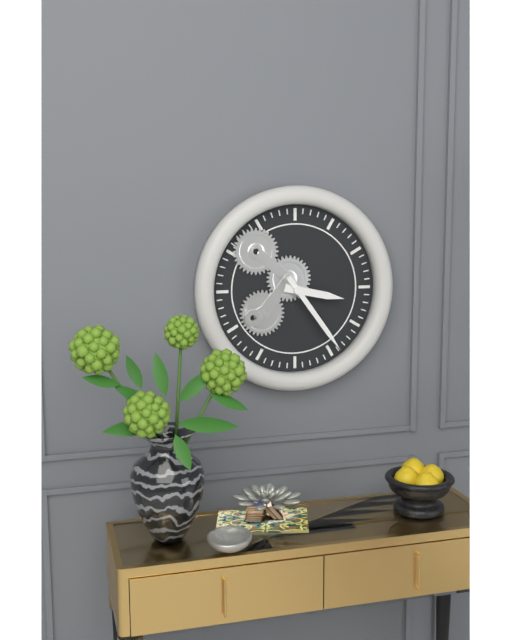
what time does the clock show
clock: 3:24
